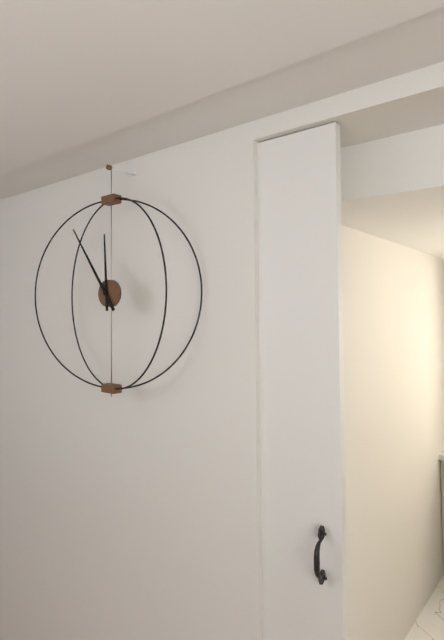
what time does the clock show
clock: 11:54
